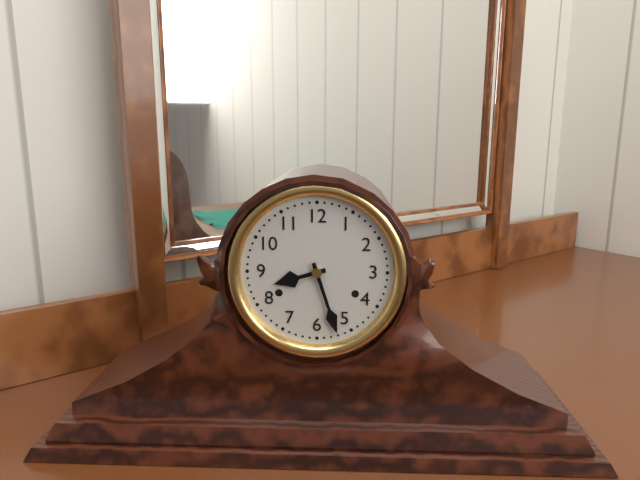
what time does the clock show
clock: 8:27
